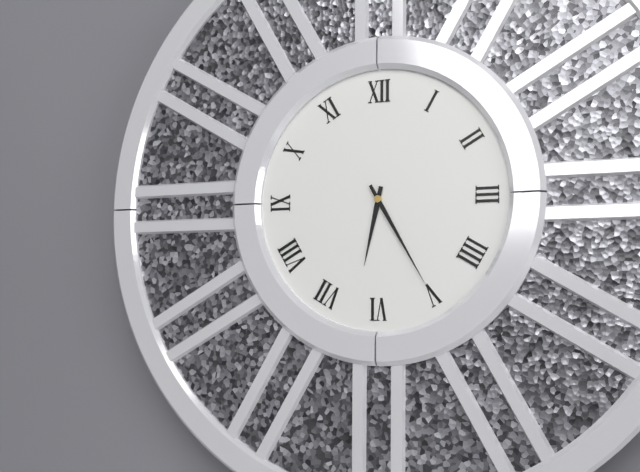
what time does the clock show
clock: 6:25
